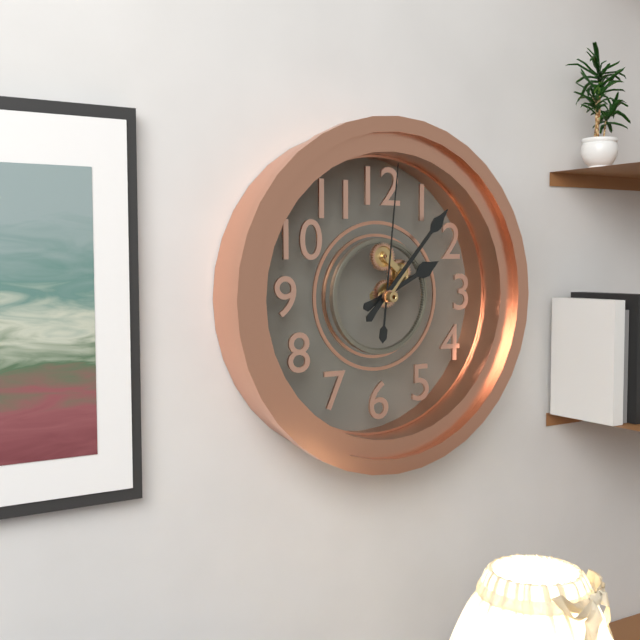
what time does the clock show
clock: 2:07:01
